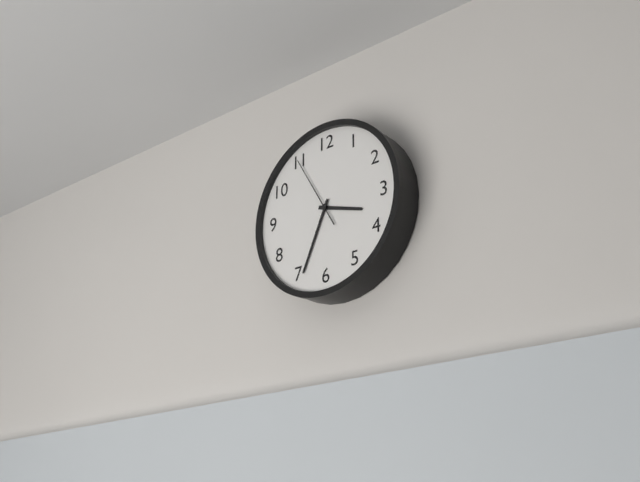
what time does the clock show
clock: 3:34:55
